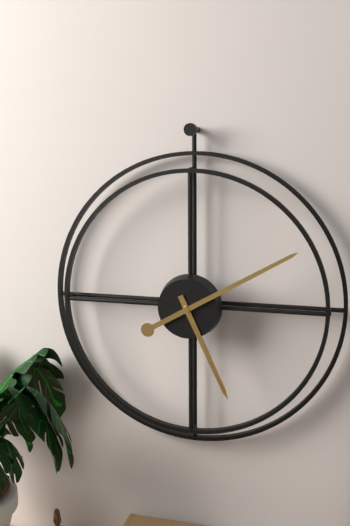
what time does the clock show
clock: 5:10
